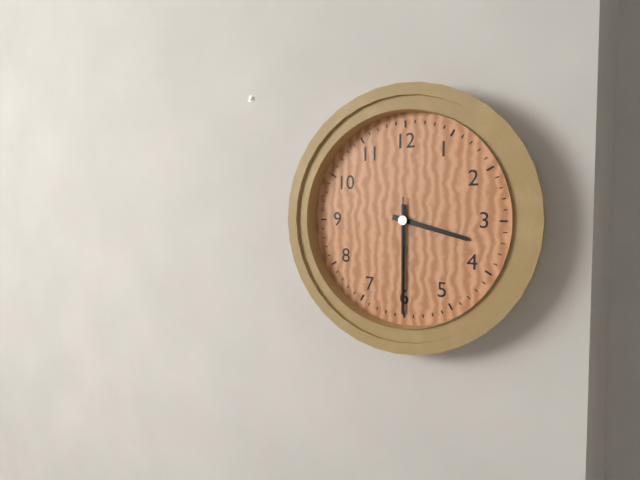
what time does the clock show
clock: 3:30:30
